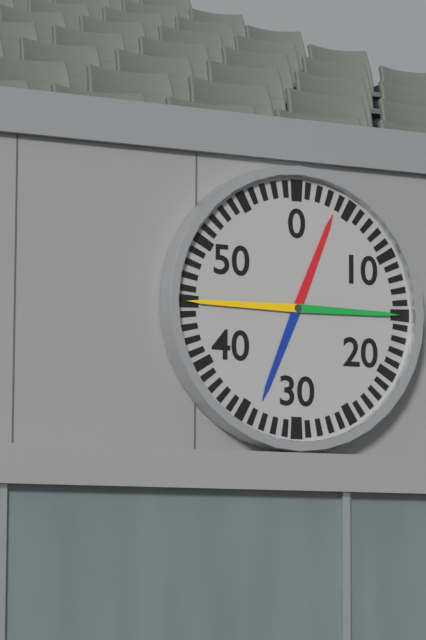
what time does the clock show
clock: 12:45
